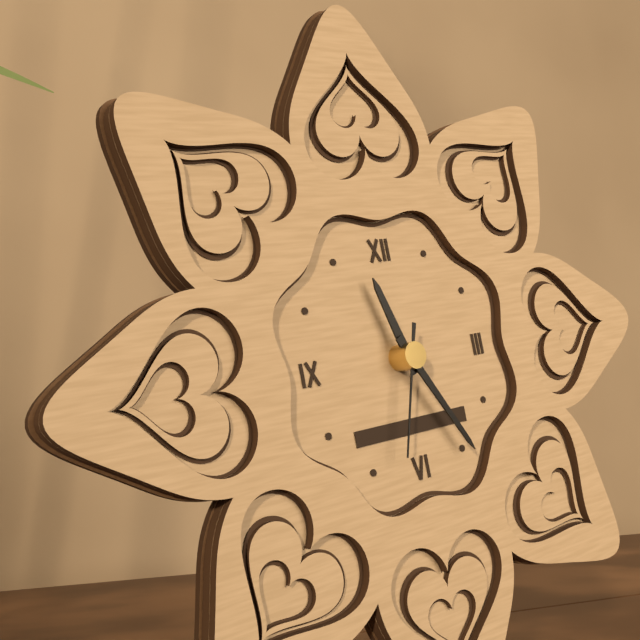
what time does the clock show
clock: 11:25:33
